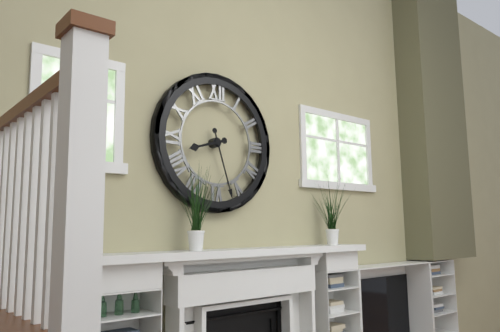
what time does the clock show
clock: 8:27
